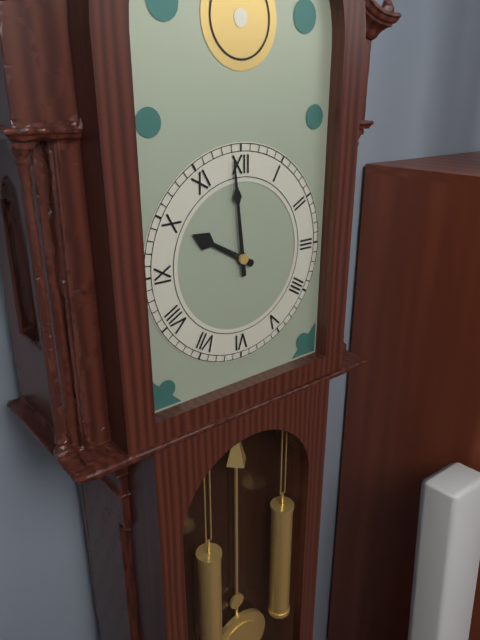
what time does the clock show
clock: 9:59
